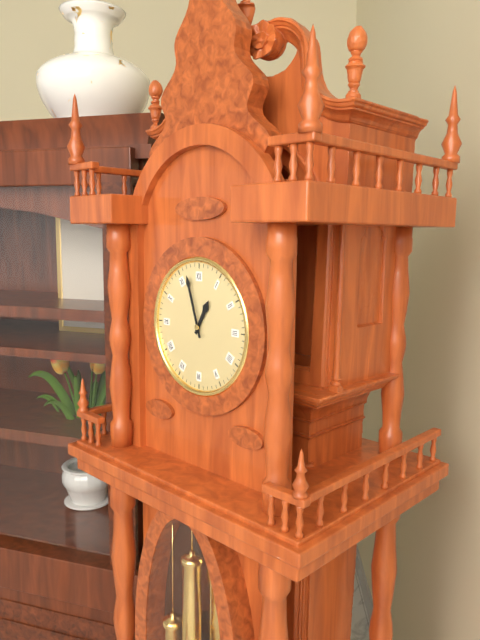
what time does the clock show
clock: 12:57
